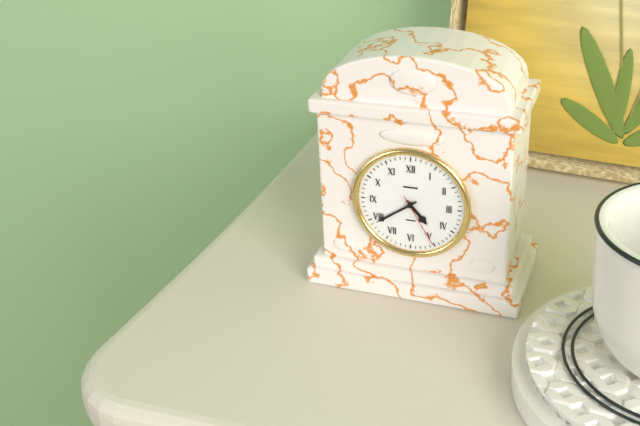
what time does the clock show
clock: 4:39:25
